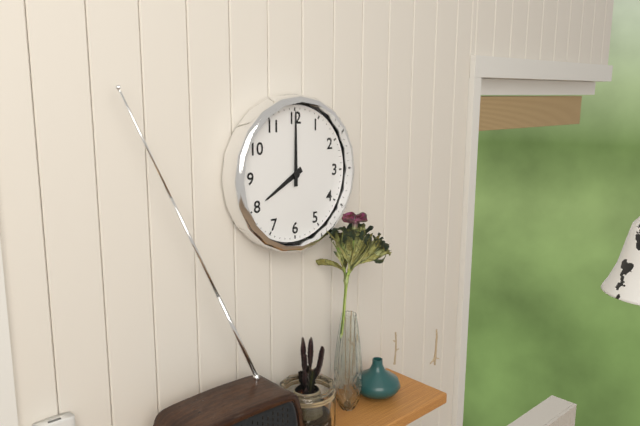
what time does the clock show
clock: 8:00
